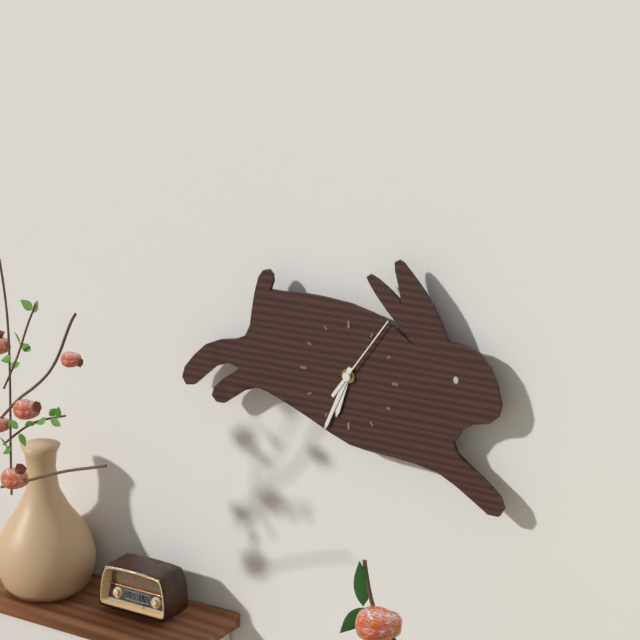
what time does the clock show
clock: 6:34:06
